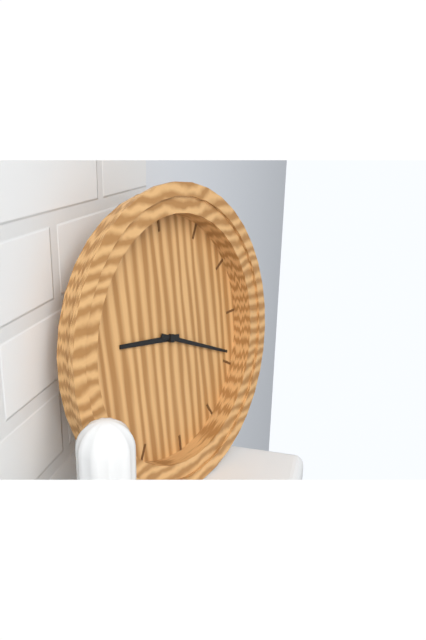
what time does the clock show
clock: 9:19
